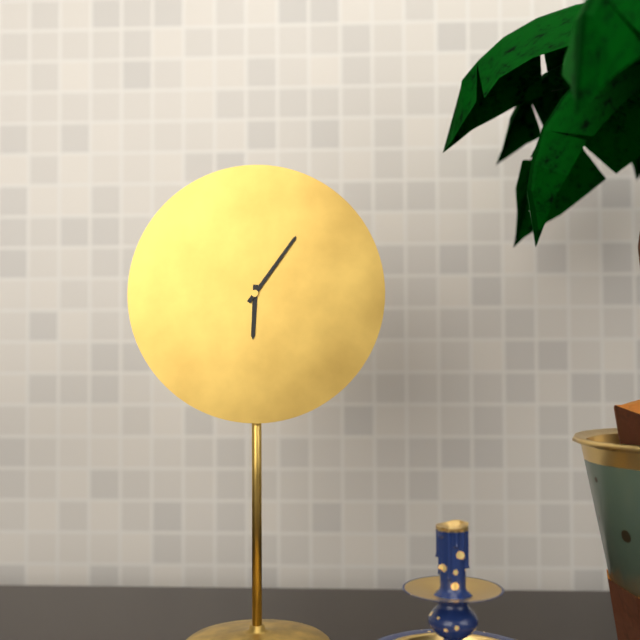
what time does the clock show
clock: 6:06
